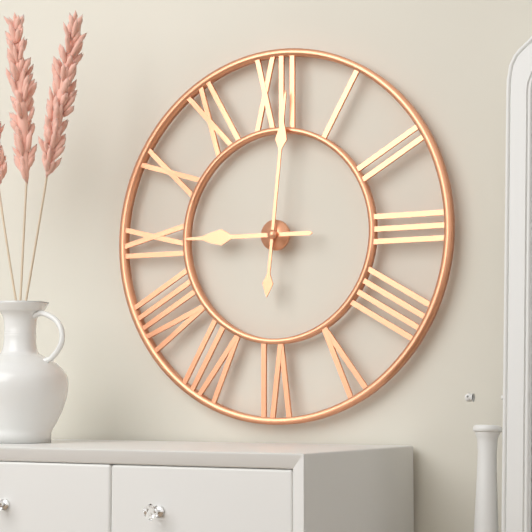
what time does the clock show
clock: 9:01
